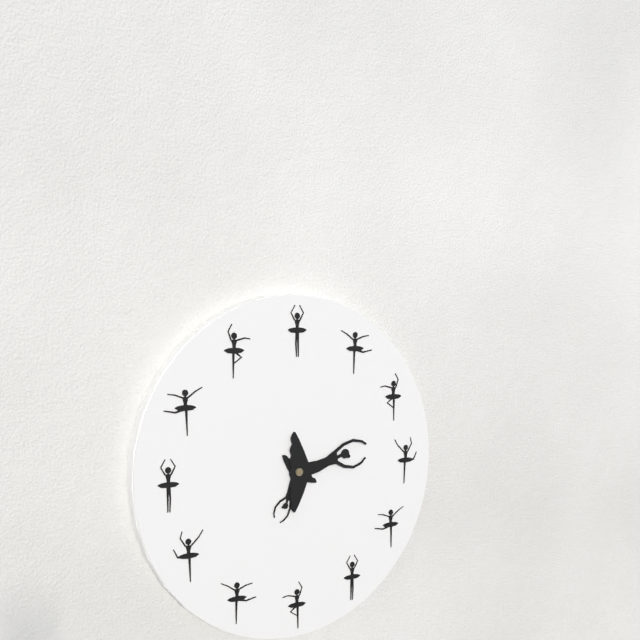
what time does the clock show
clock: 7:15
